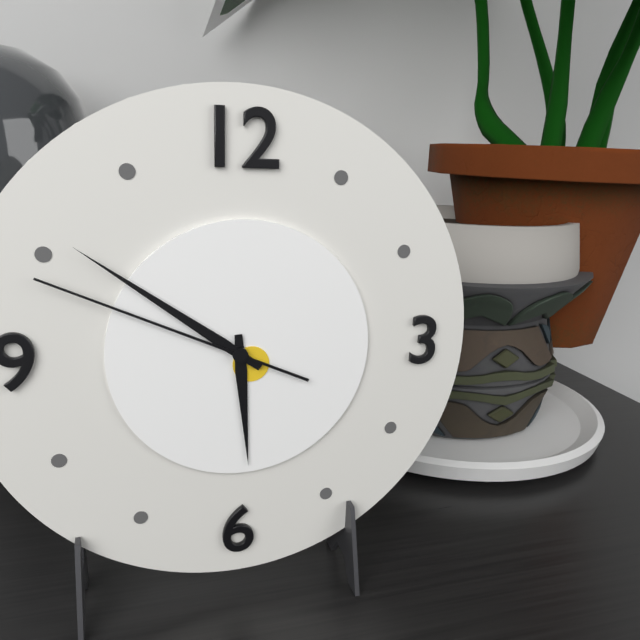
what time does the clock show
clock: 5:51:49
